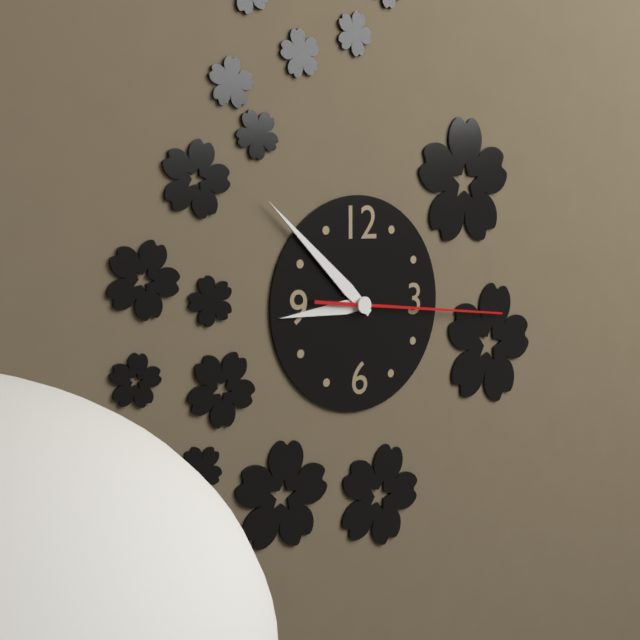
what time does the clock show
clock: 8:52:16
